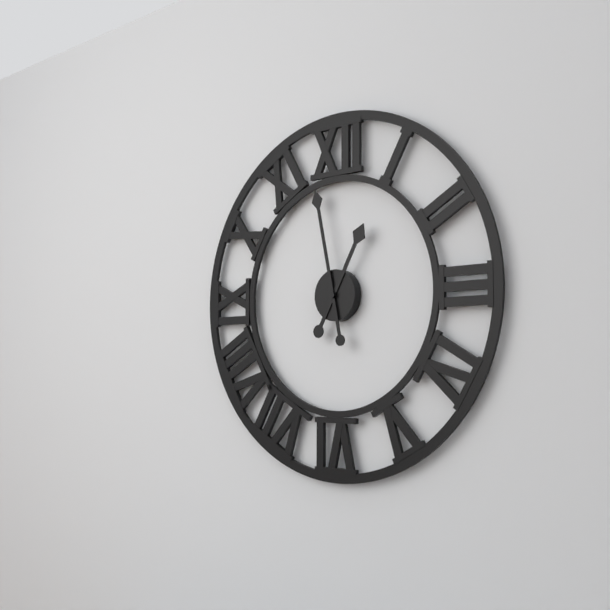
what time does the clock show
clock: 12:58
